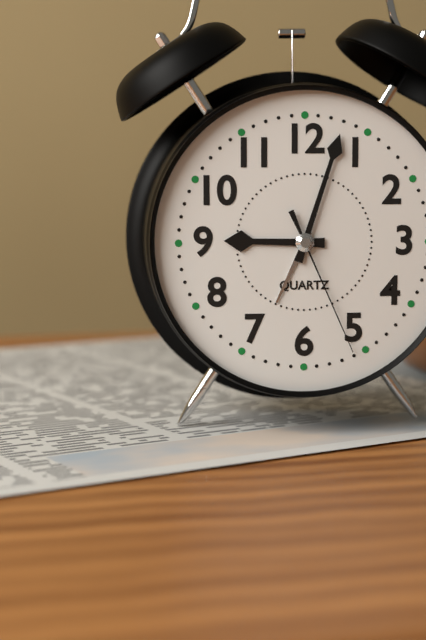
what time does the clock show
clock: 9:03:26
